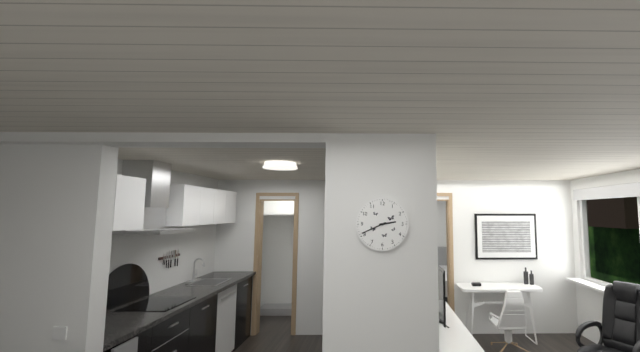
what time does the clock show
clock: 2:41
